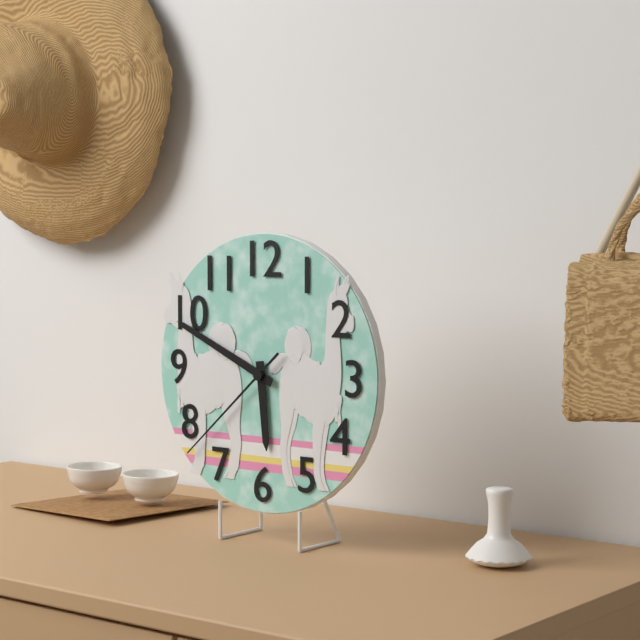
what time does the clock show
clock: 5:49:38
